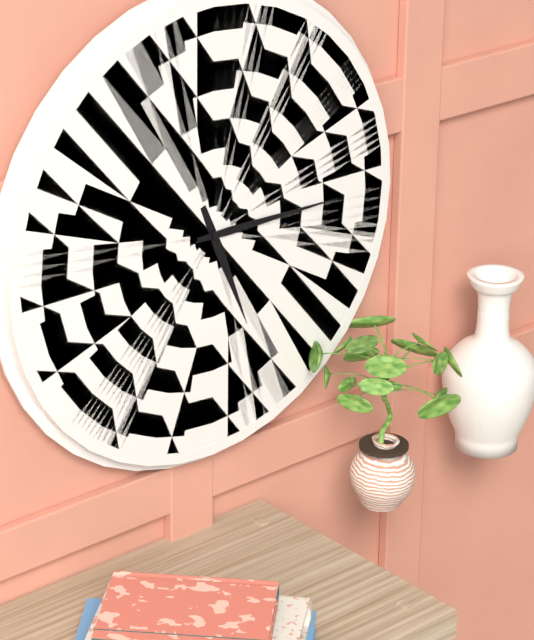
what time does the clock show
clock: 5:15
